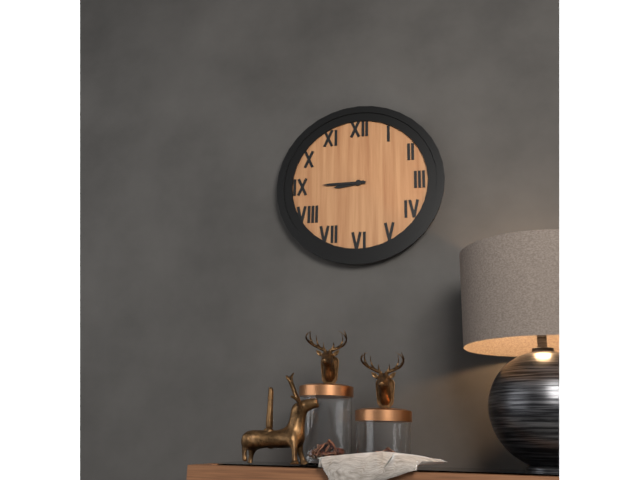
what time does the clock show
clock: 8:45
